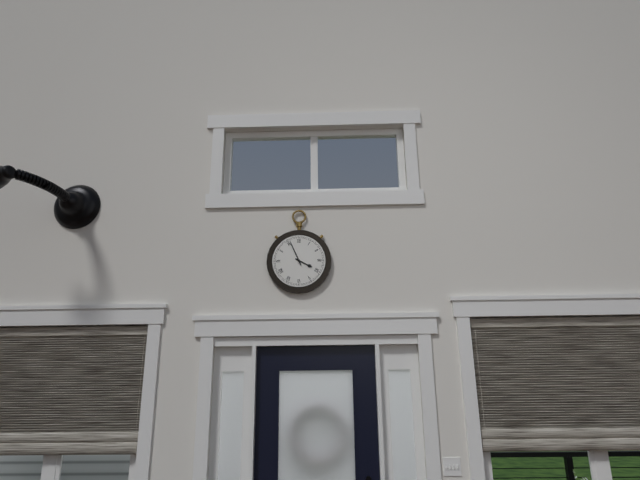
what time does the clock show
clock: 3:56
